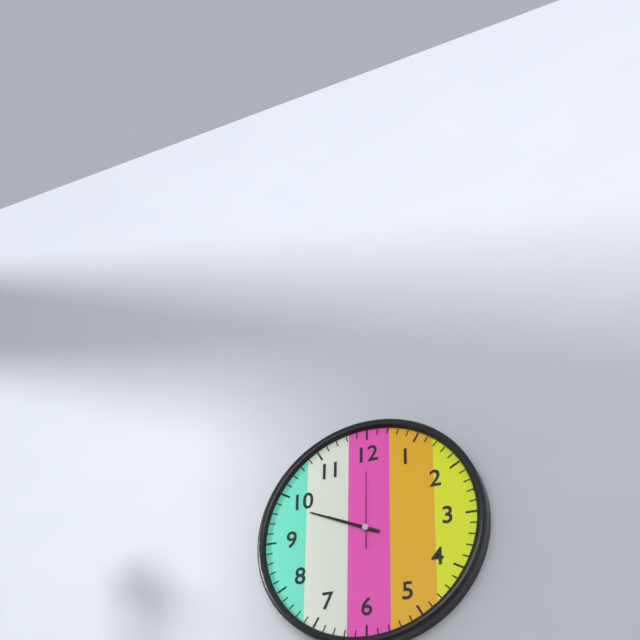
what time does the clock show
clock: 9:49:00
